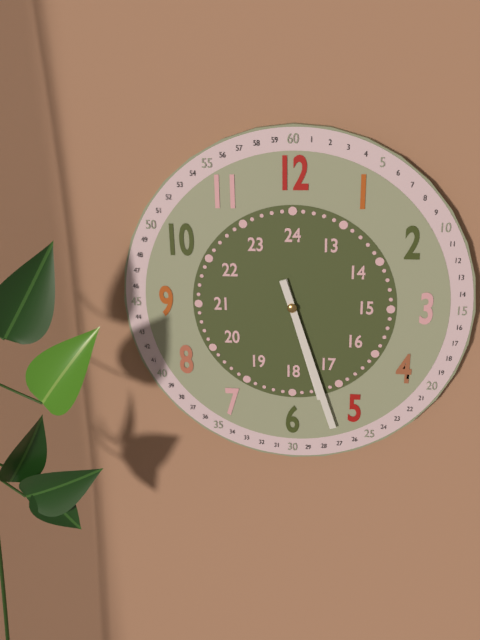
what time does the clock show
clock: 5:27
